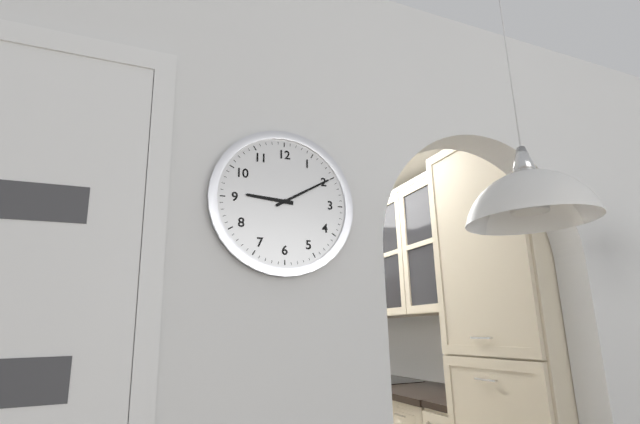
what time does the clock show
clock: 9:10
